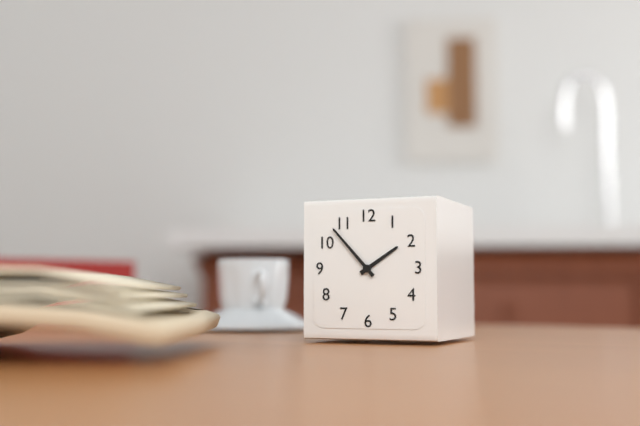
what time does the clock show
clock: 1:53
